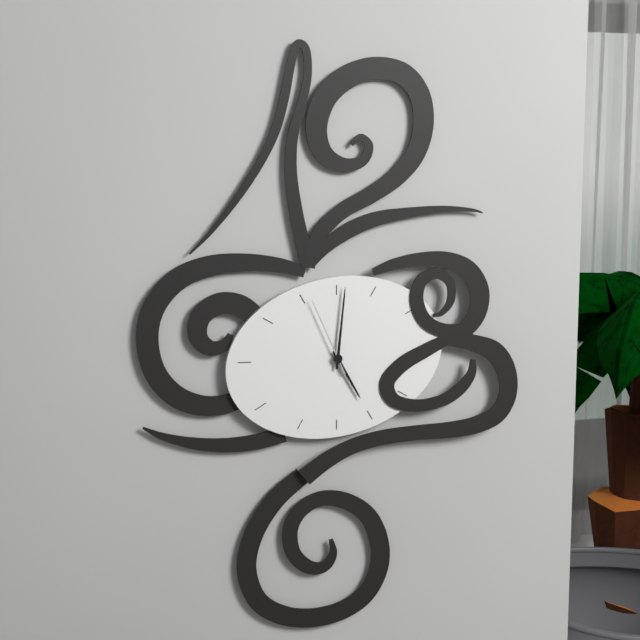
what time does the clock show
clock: 5:01:56
